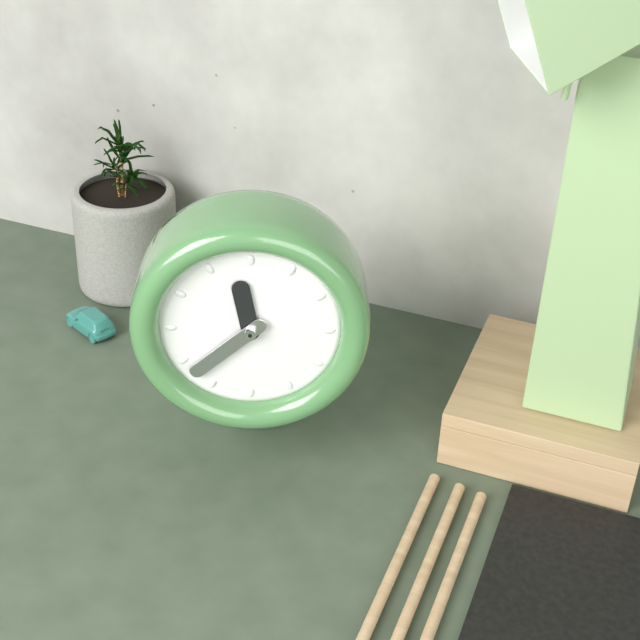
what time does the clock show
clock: 11:38
